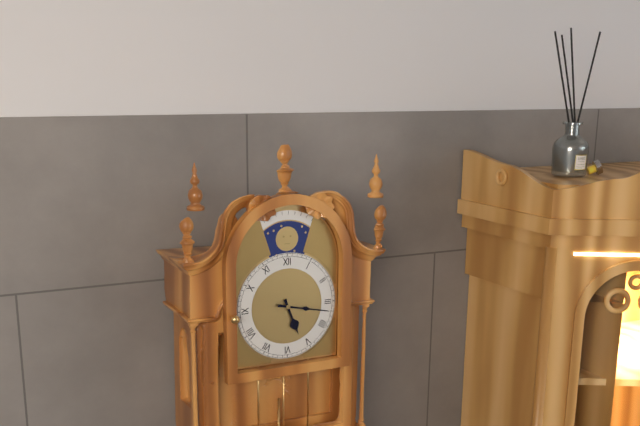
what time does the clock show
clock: 5:17
